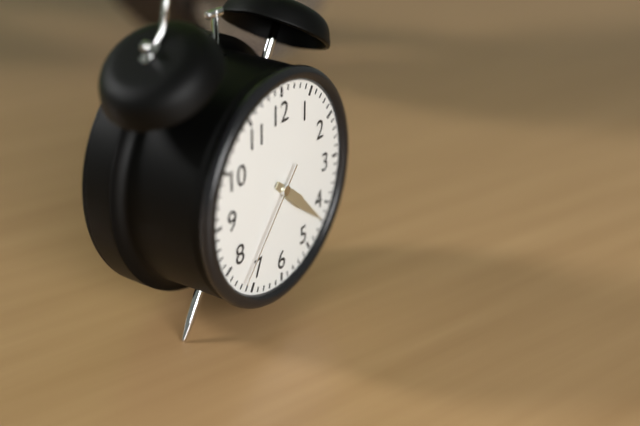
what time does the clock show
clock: 4:22:37
